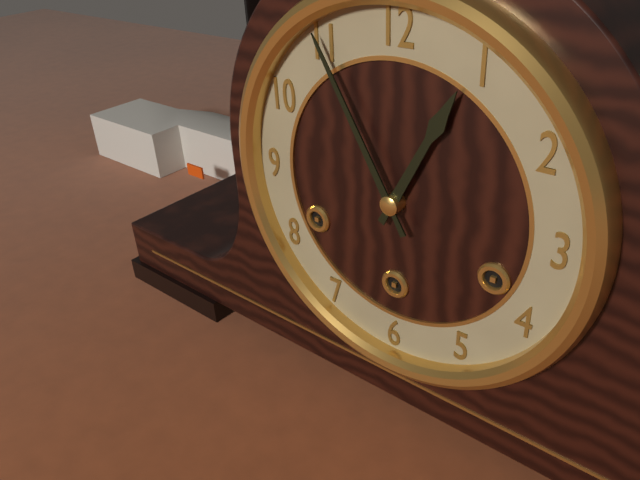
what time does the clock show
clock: 12:55
